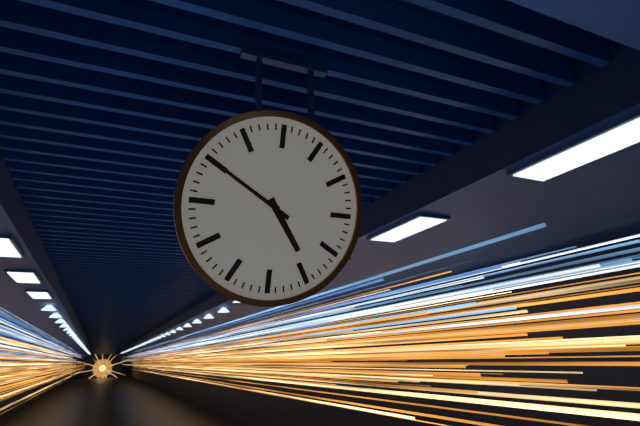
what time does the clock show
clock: 4:50
